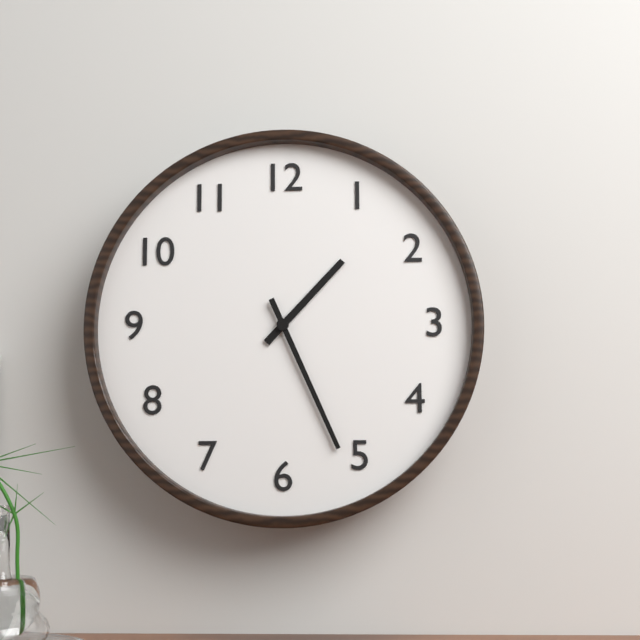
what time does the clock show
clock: 1:26
